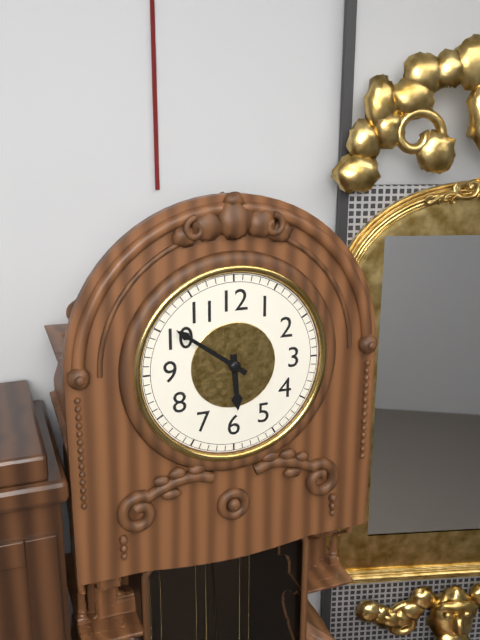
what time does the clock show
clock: 5:51
